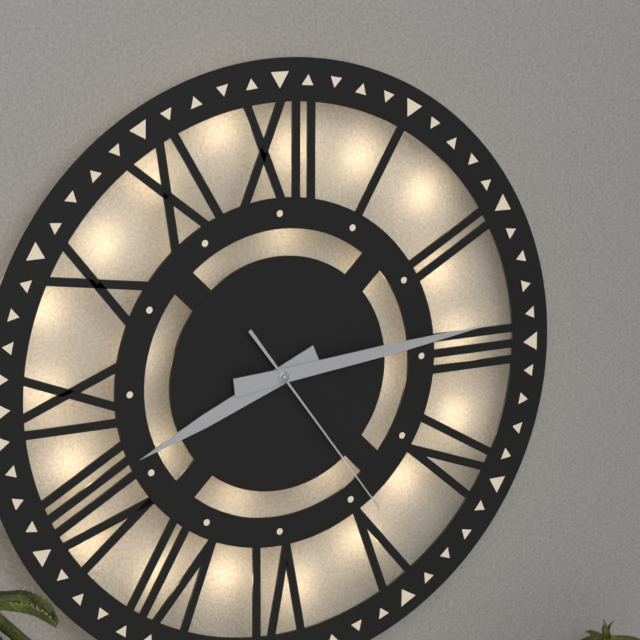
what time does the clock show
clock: 8:14:24
